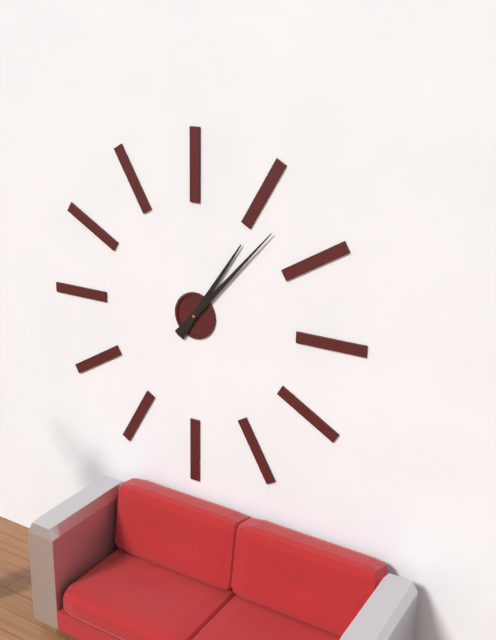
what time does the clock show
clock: 1:07
